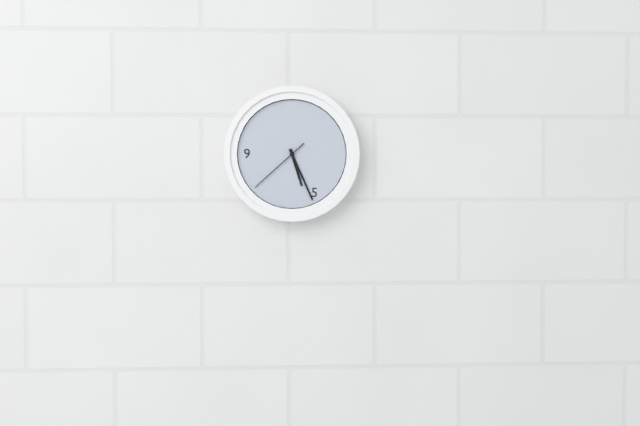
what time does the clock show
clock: 5:26:38
